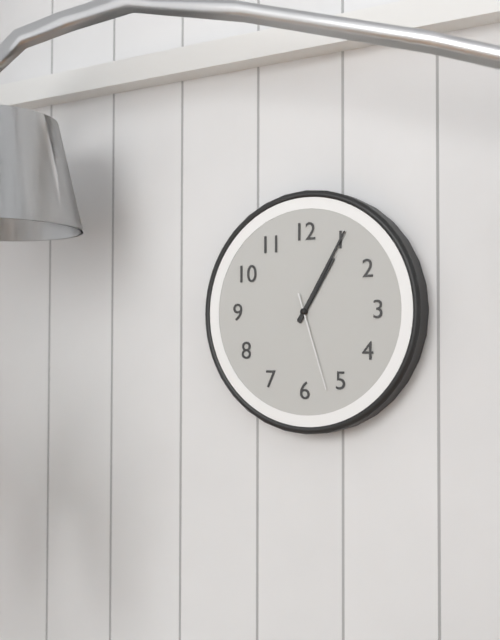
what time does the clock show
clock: 1:05:27
